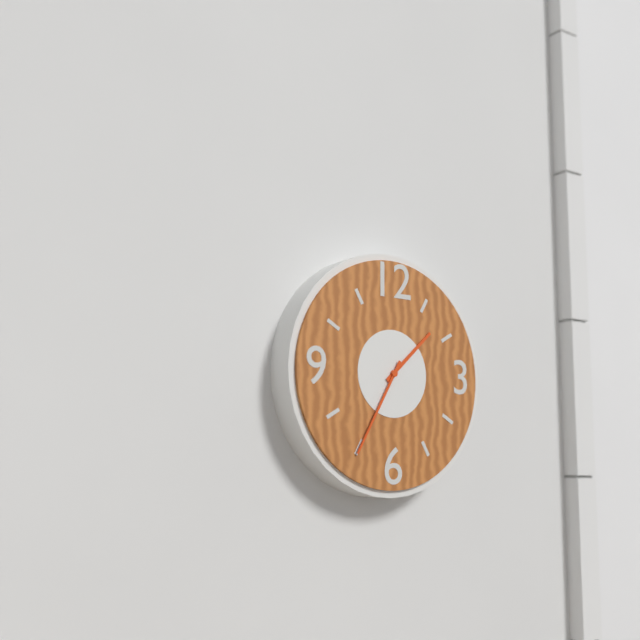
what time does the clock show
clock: 1:35
